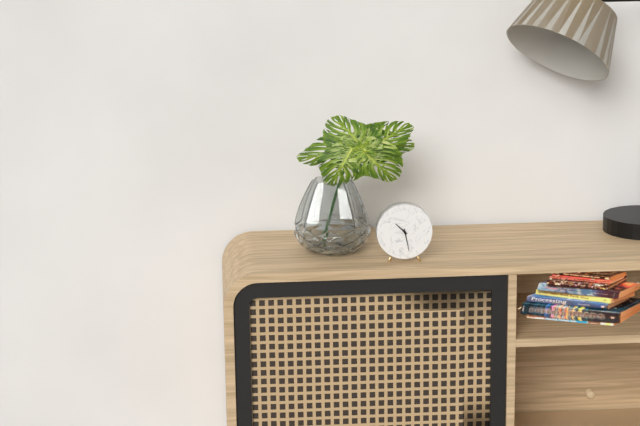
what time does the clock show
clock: 10:28
